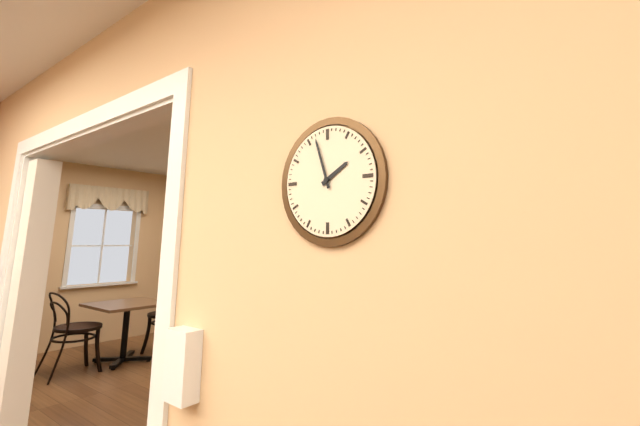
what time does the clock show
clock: 1:57
